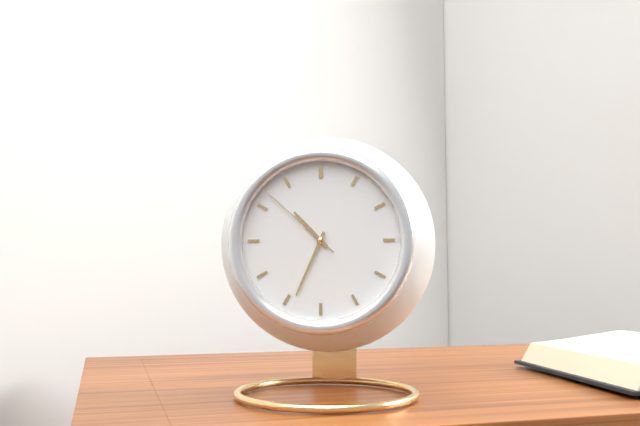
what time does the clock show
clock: 10:34:52
